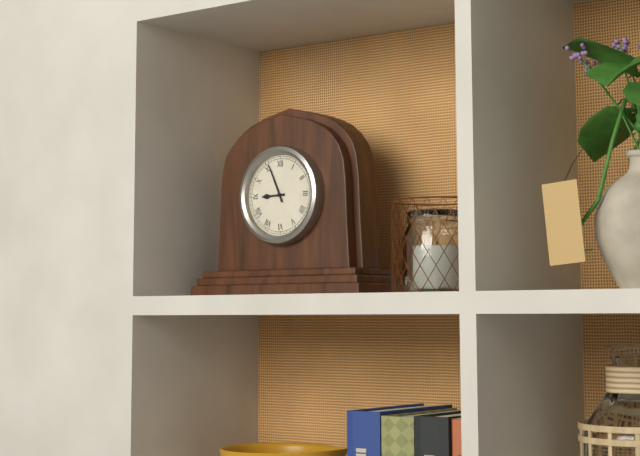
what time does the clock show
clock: 8:56
